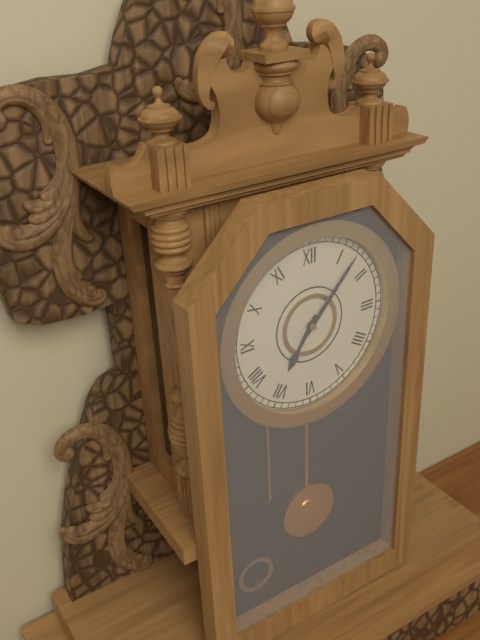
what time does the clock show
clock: 7:07
